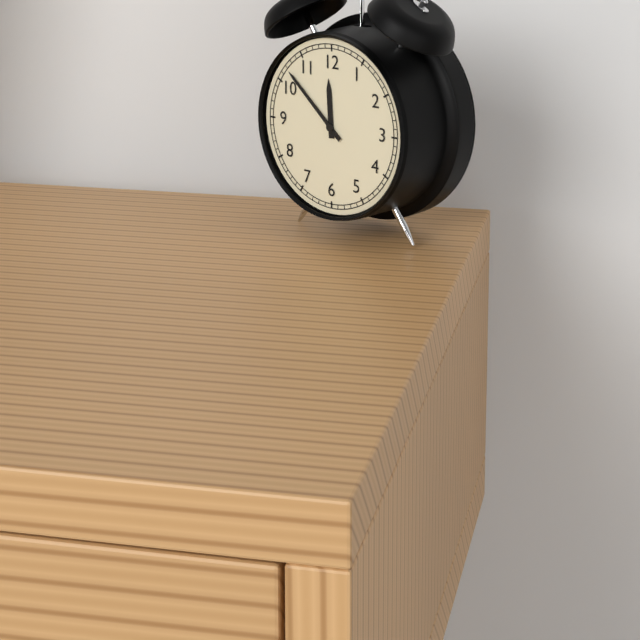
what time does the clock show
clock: 11:52
